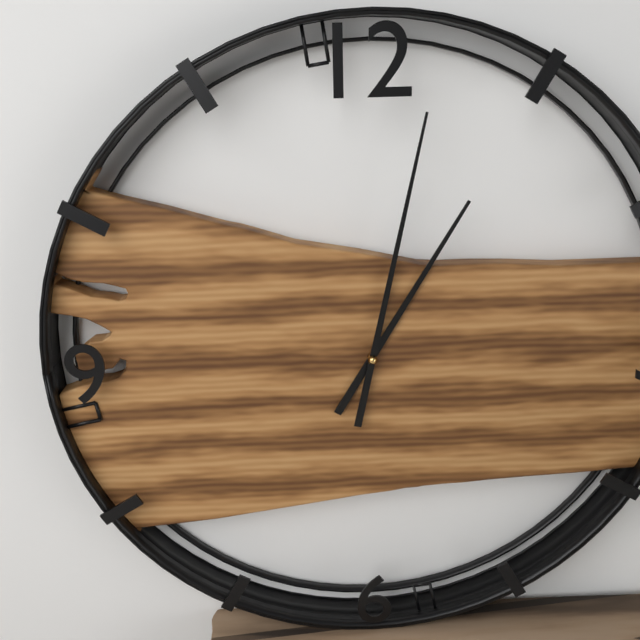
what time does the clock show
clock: 1:02
